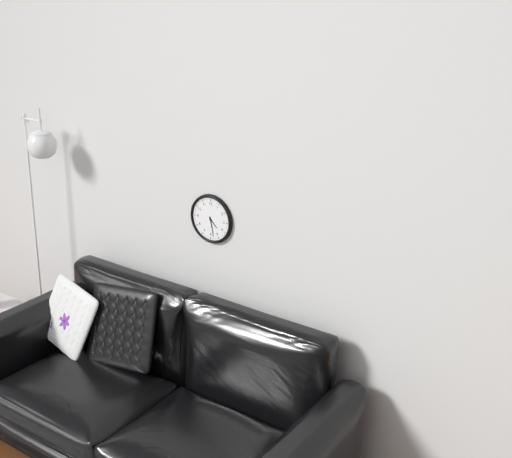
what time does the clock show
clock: 4:28
